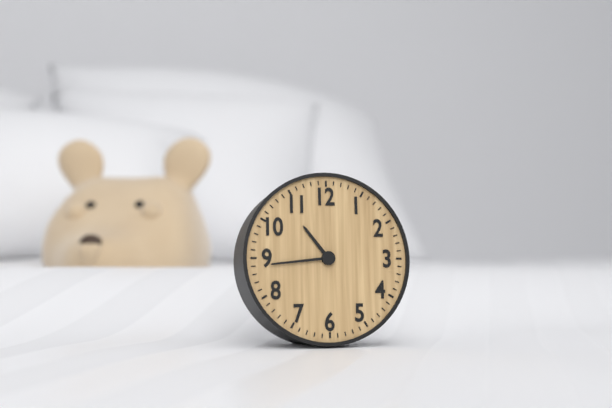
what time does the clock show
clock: 10:44
